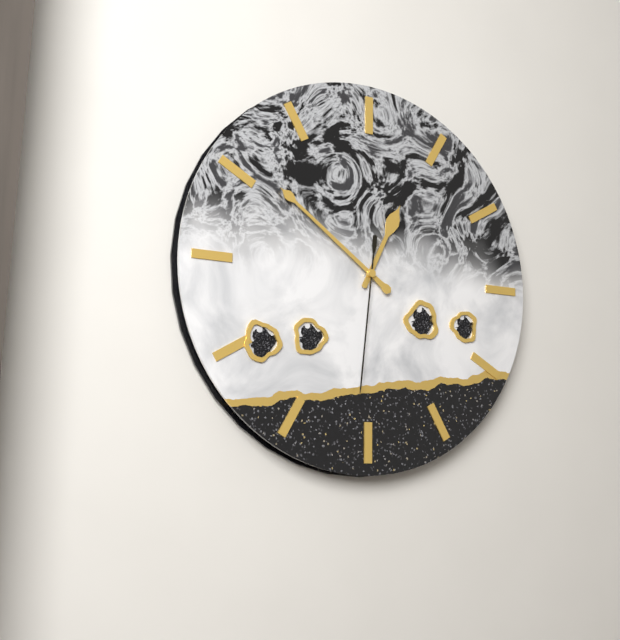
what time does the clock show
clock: 12:51:31
